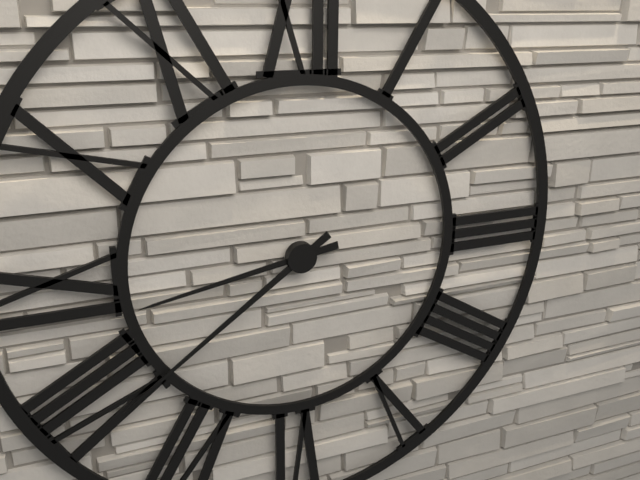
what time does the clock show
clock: 8:39
